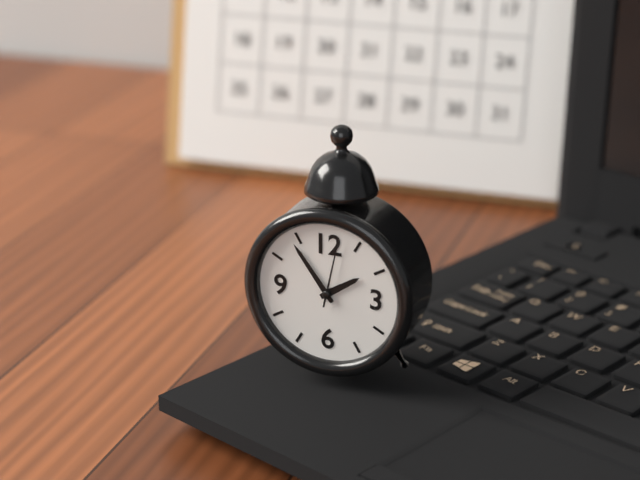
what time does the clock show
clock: 1:54:02
